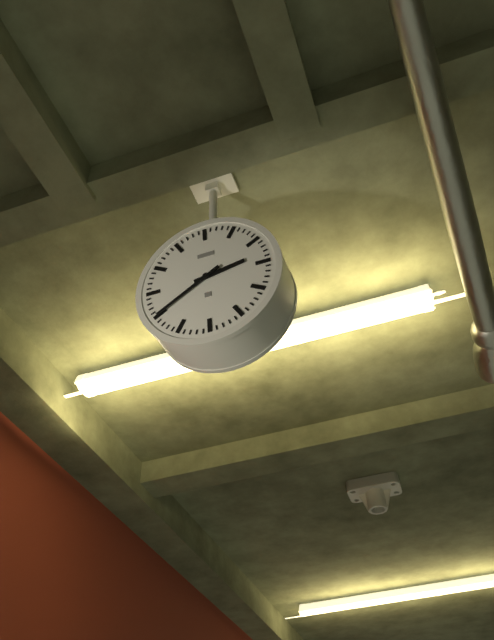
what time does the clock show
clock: 2:40
